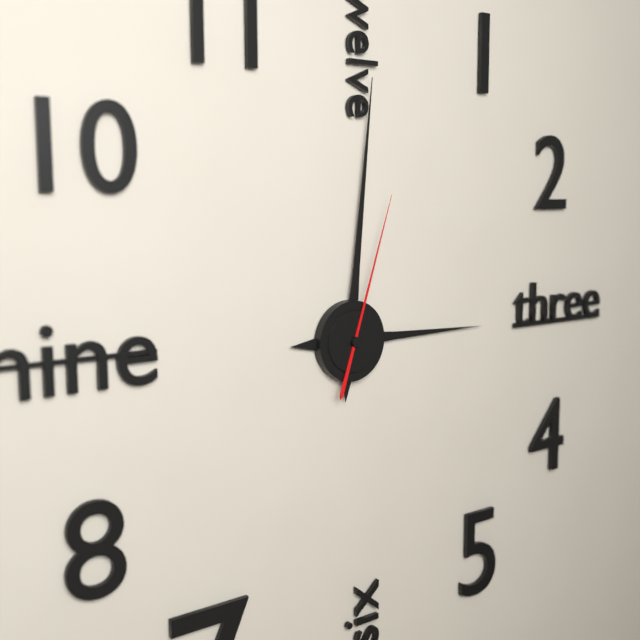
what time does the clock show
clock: 3:01:03
